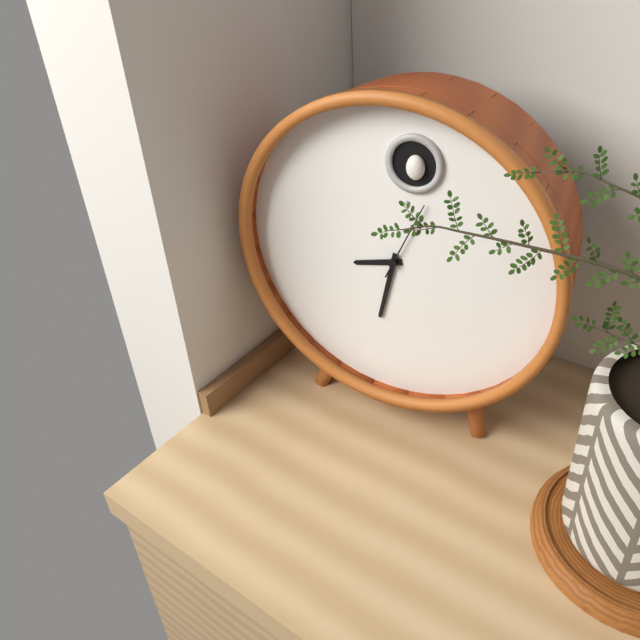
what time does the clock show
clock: 8:32:04
